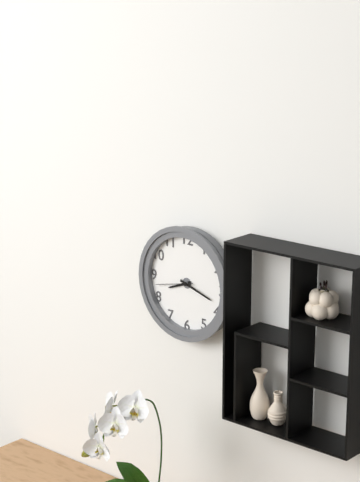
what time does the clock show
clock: 8:18
